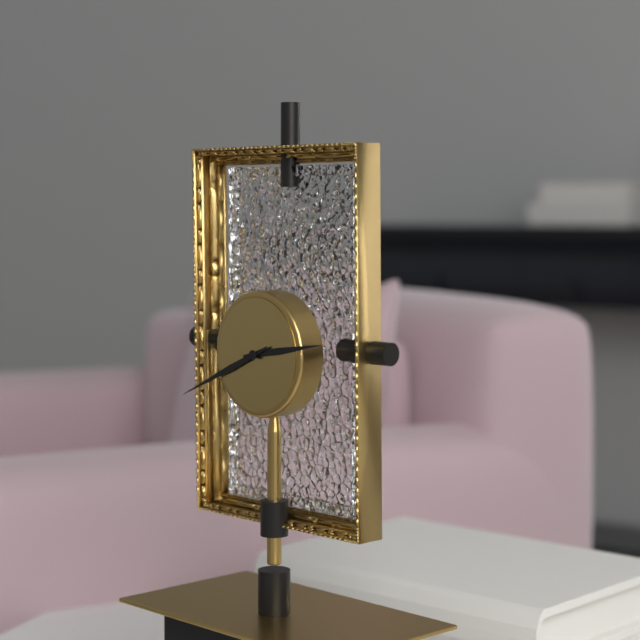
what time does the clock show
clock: 2:41
